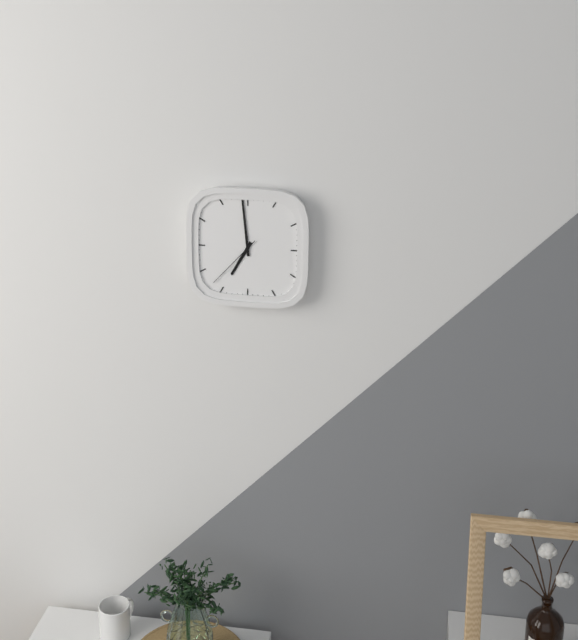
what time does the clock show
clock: 6:59:37
